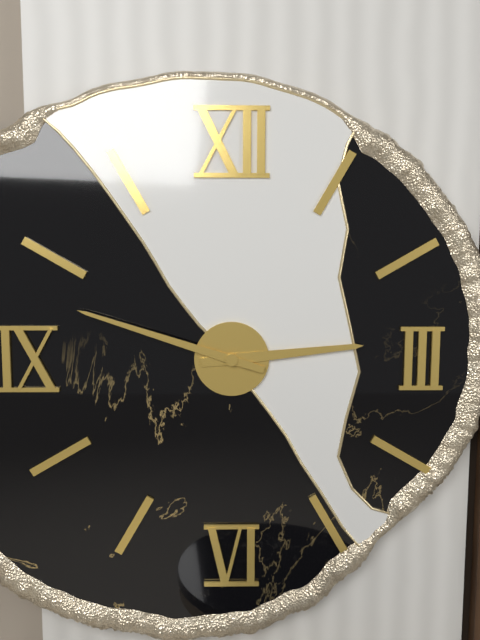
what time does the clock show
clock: 2:48
